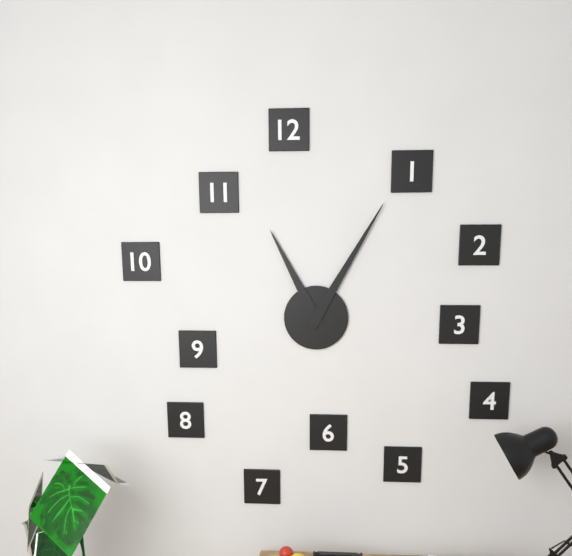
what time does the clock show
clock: 11:05
